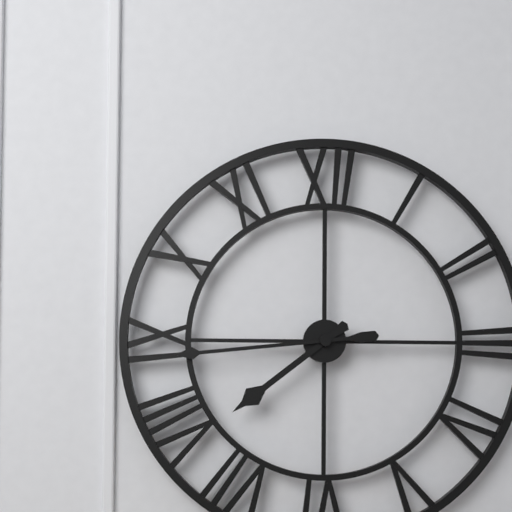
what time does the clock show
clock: 7:44
